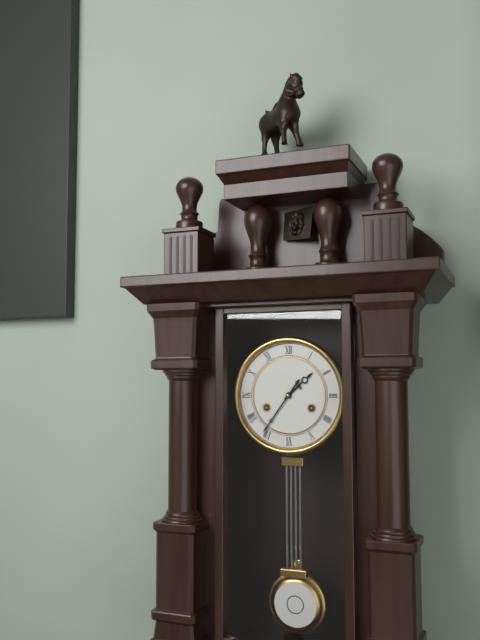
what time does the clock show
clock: 1:36
